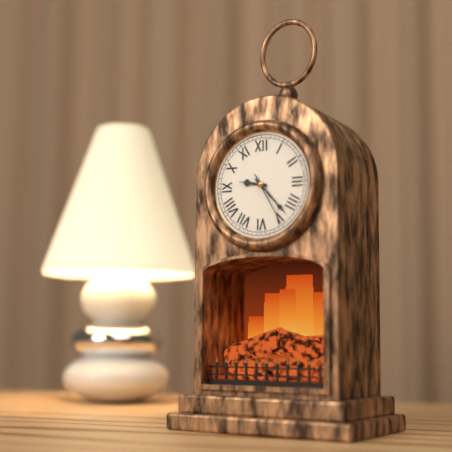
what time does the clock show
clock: 9:23
